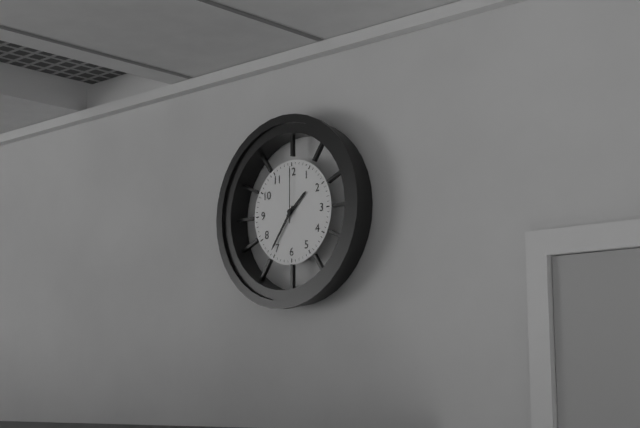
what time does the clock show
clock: 1:36:00
